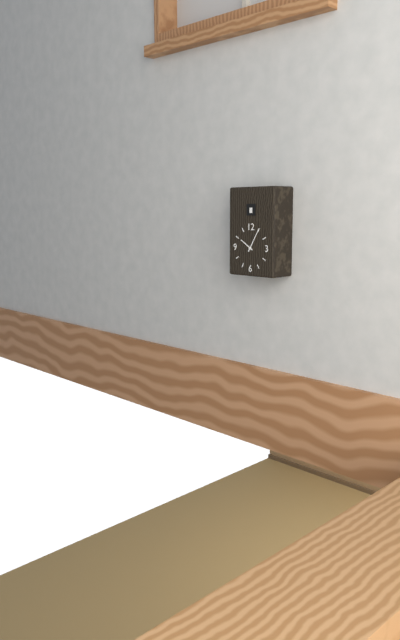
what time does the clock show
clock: 10:05
